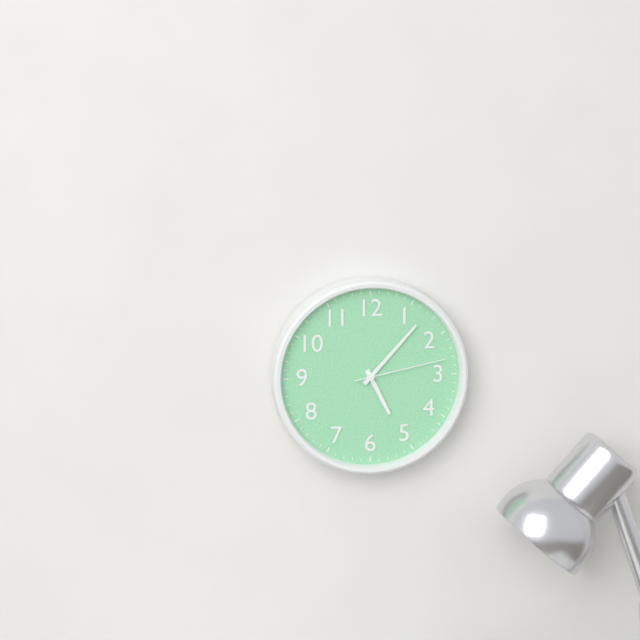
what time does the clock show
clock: 5:07:13
